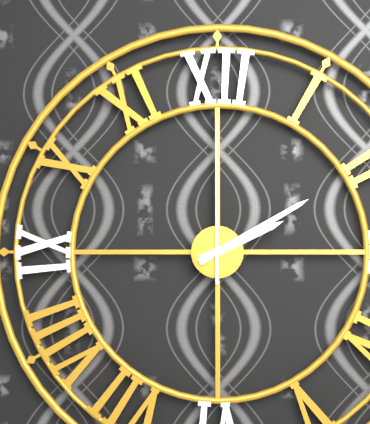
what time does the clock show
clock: 2:10:00
